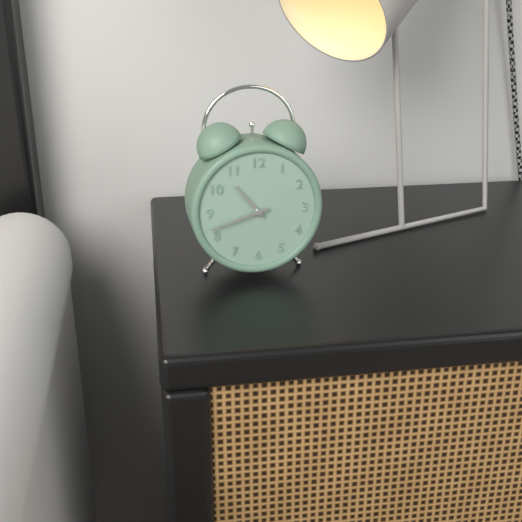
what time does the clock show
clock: 10:42
